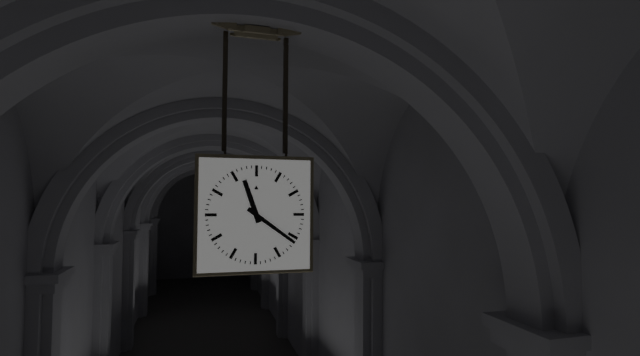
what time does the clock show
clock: 11:21
